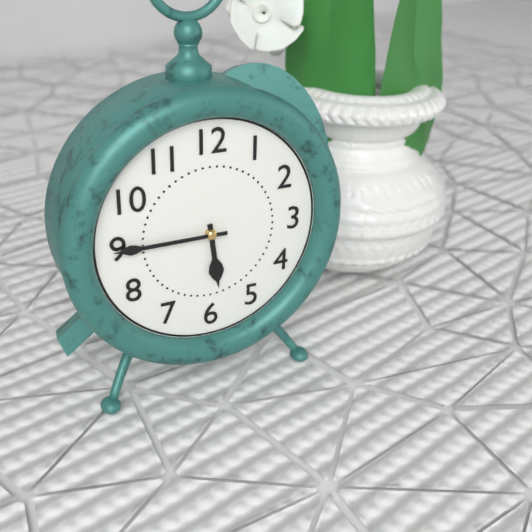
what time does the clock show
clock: 5:45
